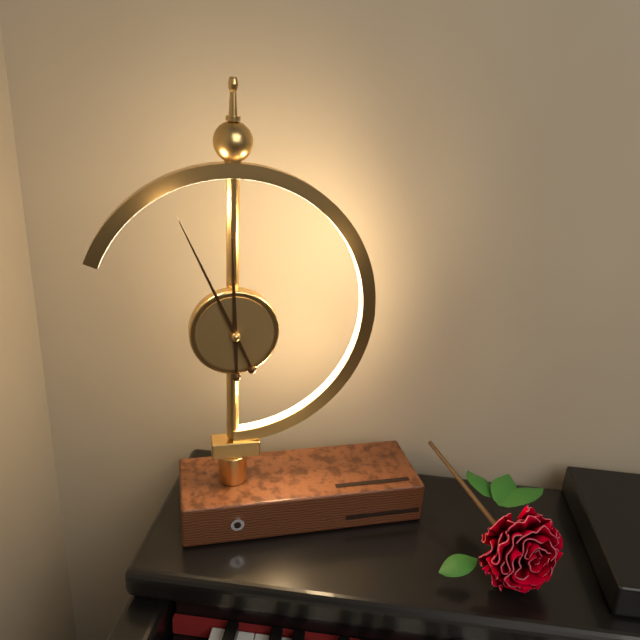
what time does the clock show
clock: 11:56
